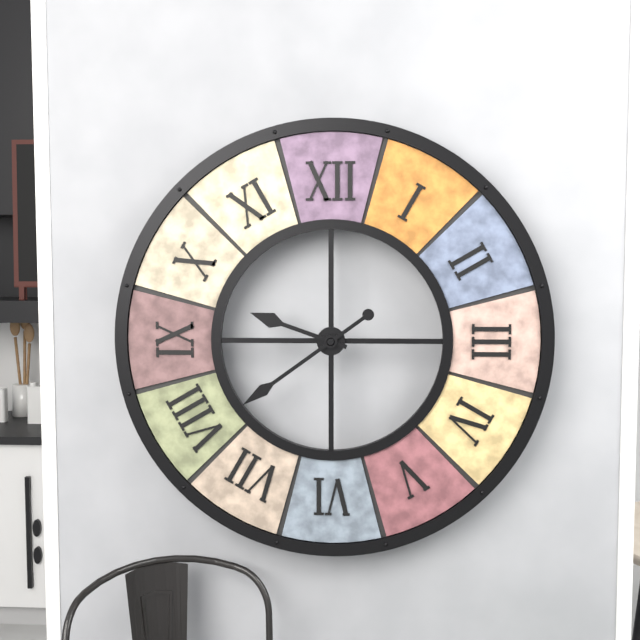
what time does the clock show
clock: 9:39
